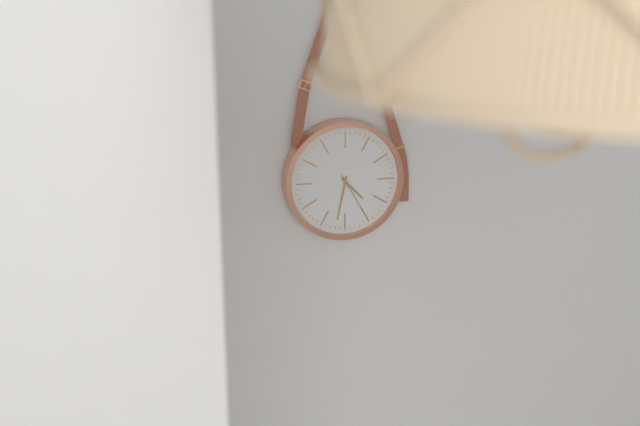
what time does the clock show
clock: 4:32:25
